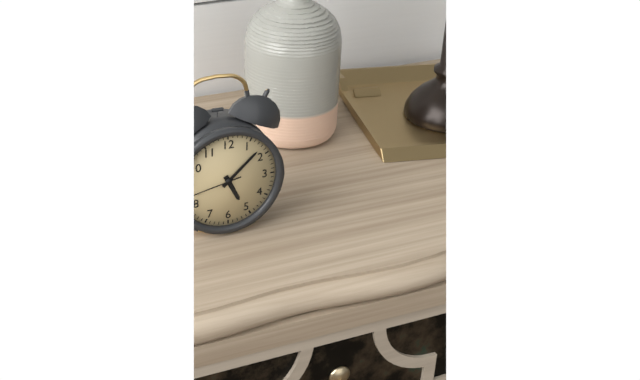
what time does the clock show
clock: 5:08:43
